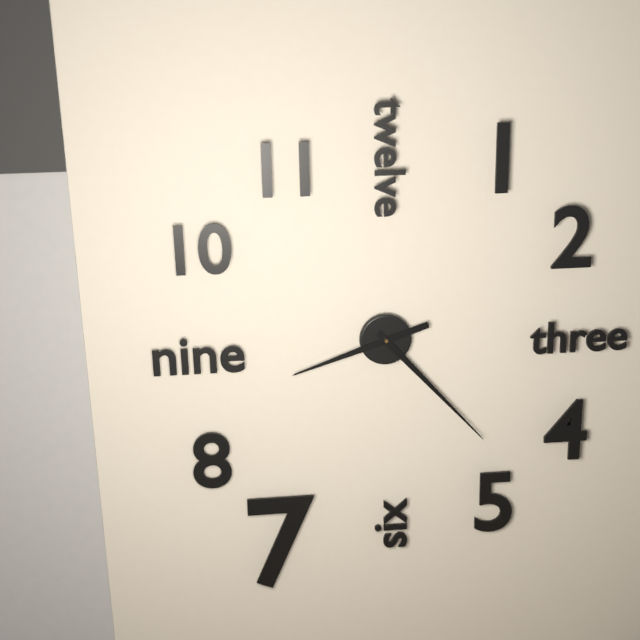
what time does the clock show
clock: 8:23
